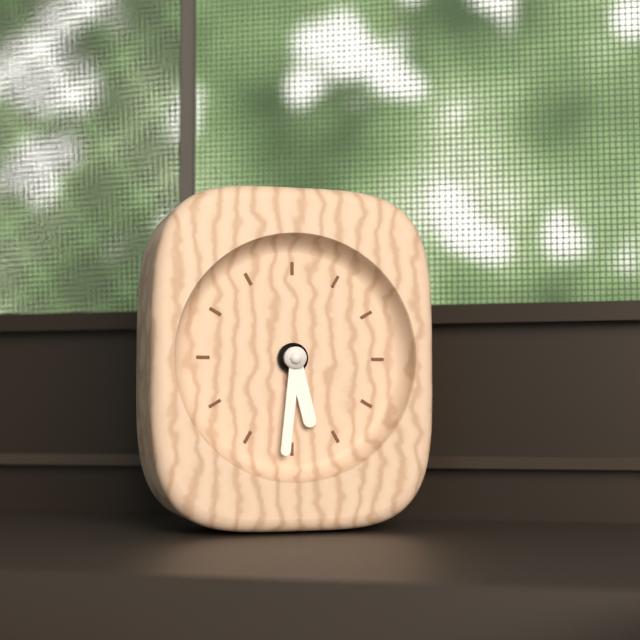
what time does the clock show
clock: 5:31
